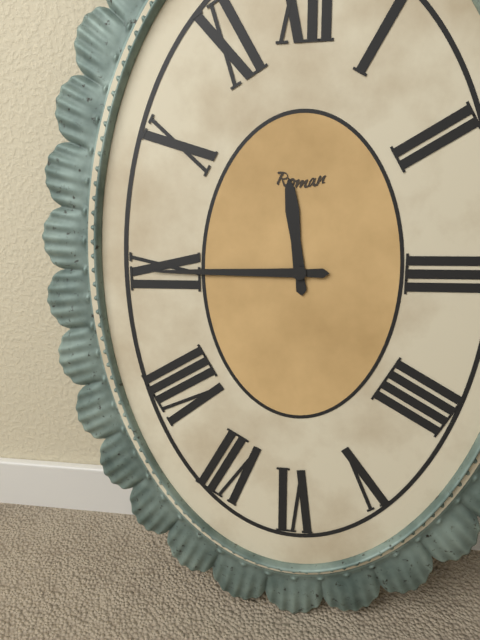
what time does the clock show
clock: 11:45
